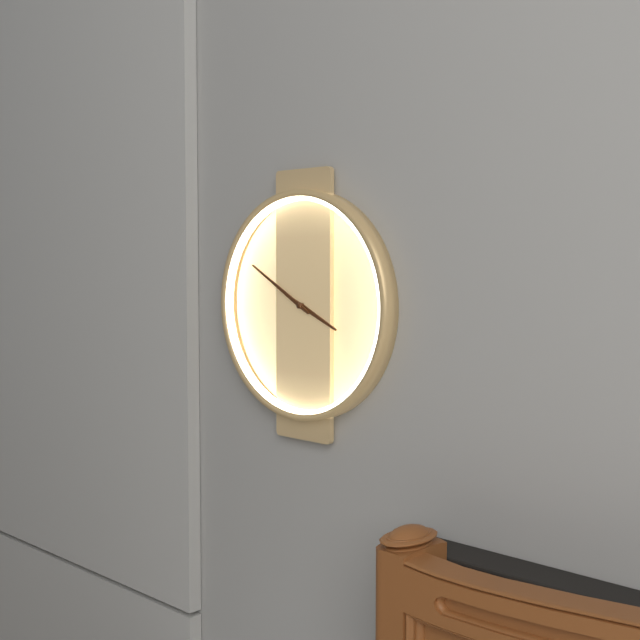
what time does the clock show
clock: 3:50
